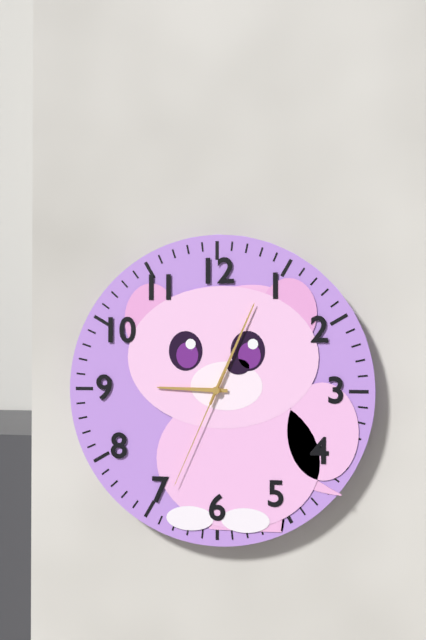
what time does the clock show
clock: 9:04:34
